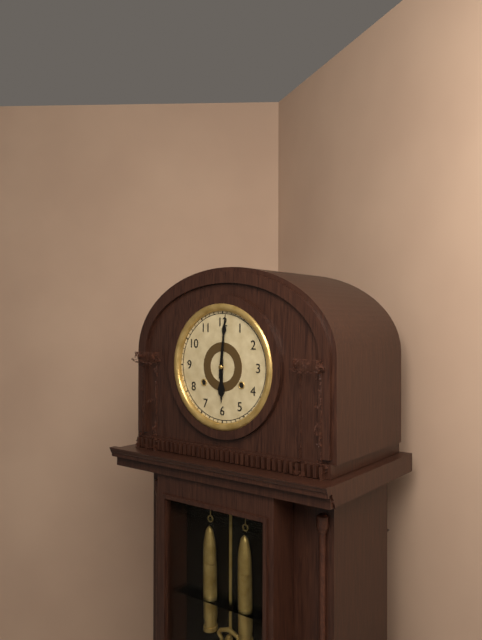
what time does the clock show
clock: 6:01
